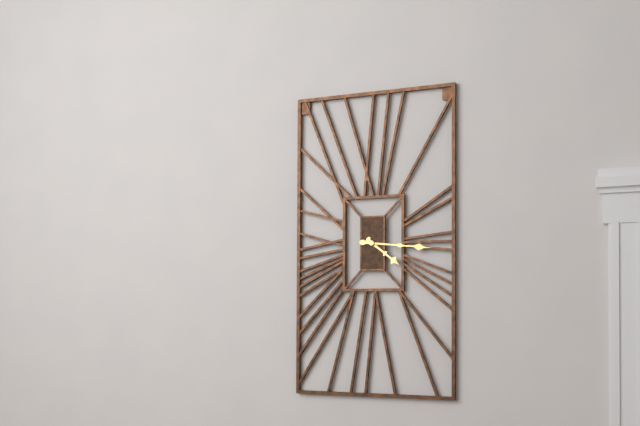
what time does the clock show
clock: 4:16
